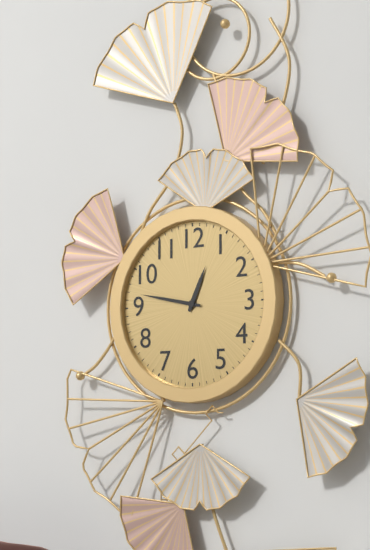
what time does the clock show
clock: 12:47
